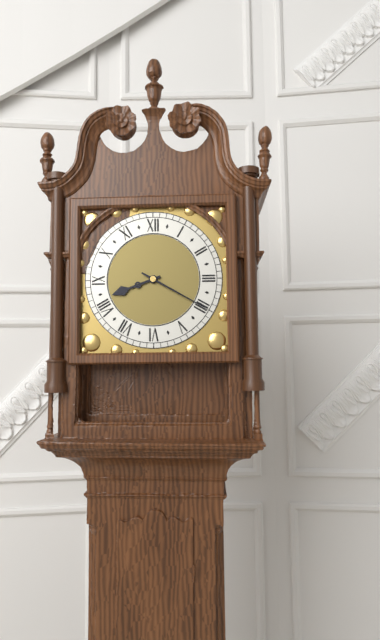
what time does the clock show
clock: 8:20
